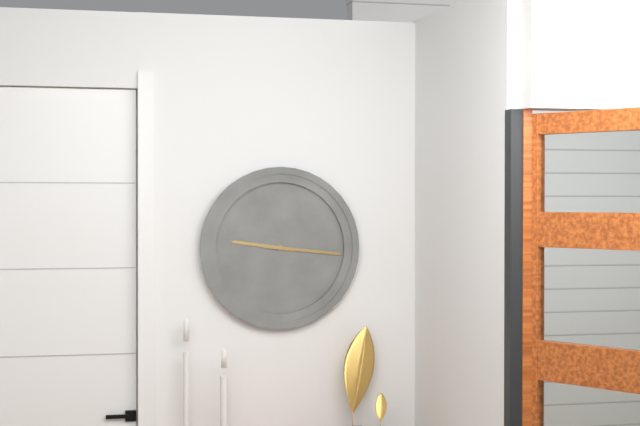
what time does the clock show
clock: 9:16
